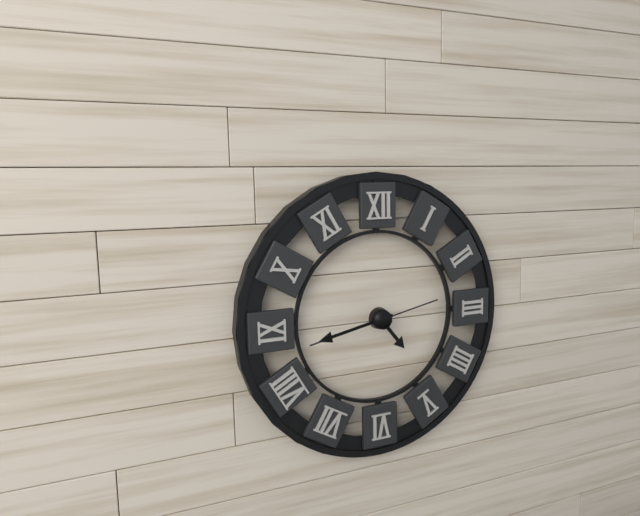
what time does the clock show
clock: 4:43:43
